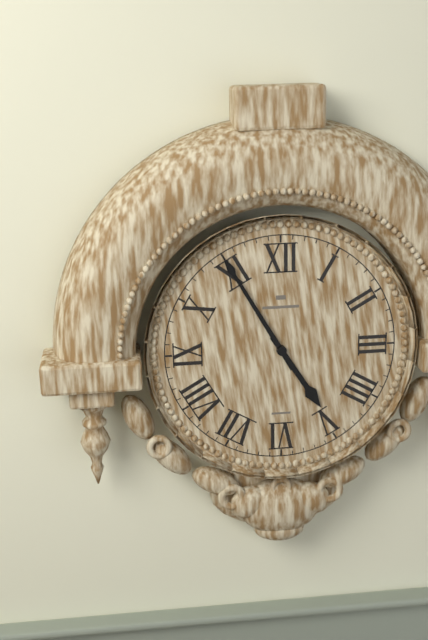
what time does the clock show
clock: 4:55
